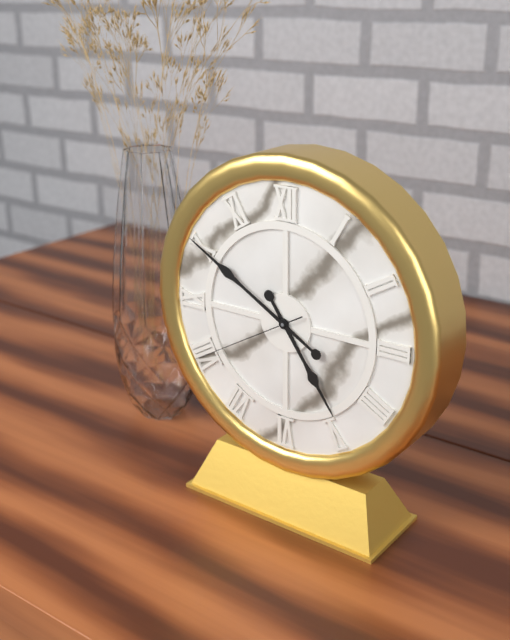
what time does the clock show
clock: 4:50:40
